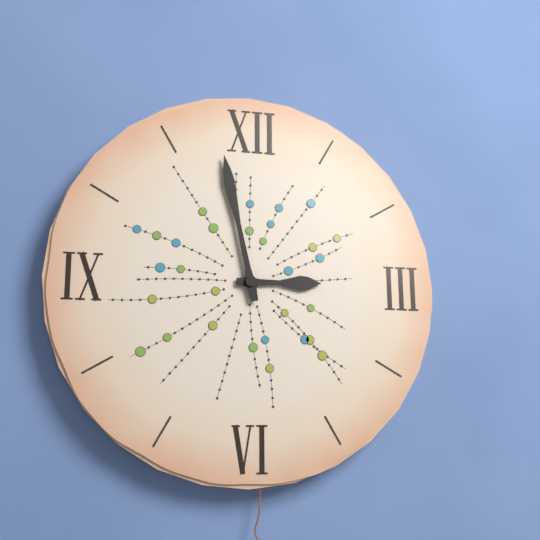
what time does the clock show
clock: 2:58
